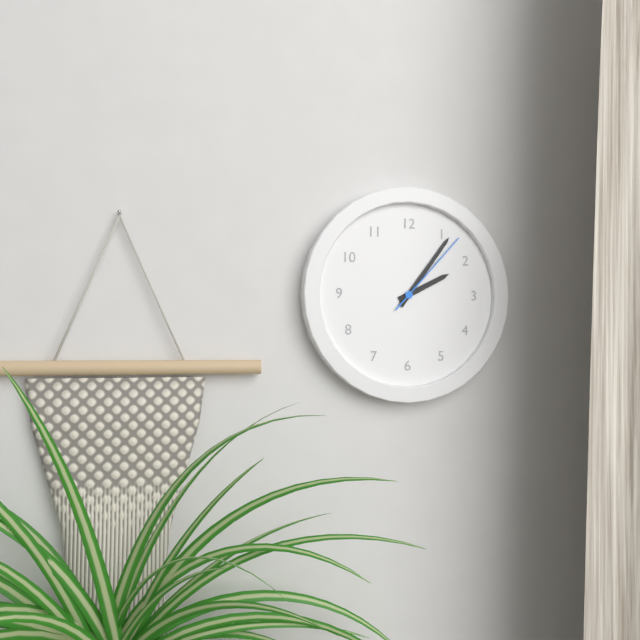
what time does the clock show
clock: 2:06:07
